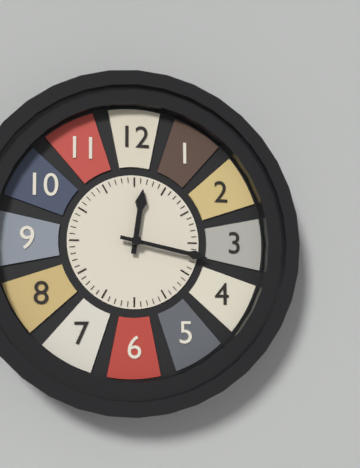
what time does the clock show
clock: 12:17
